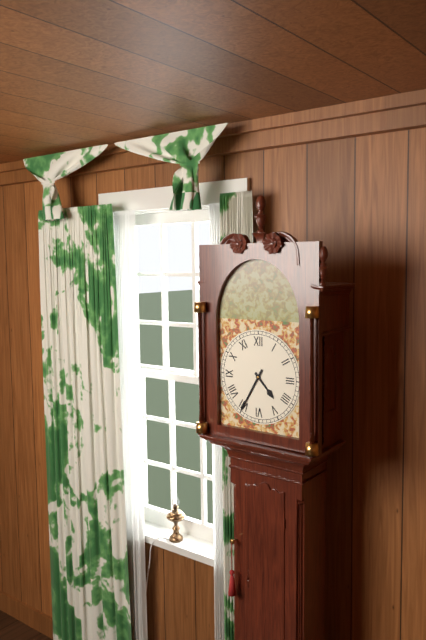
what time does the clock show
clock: 4:35
